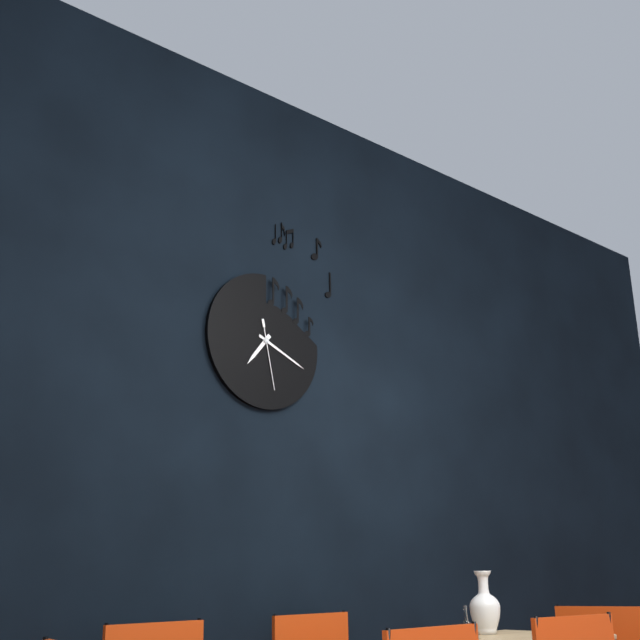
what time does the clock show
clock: 7:19:28
